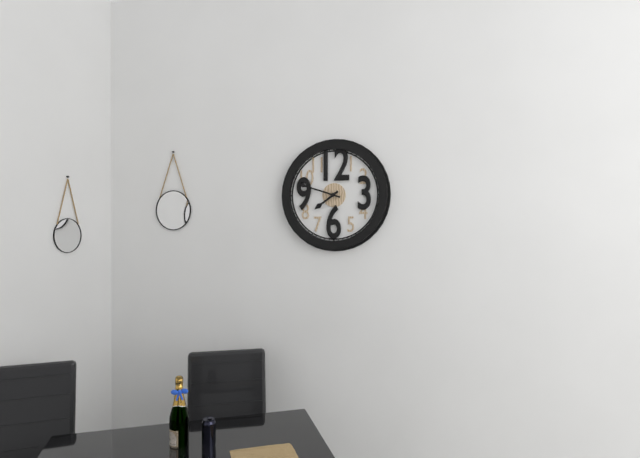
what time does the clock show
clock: 7:48
